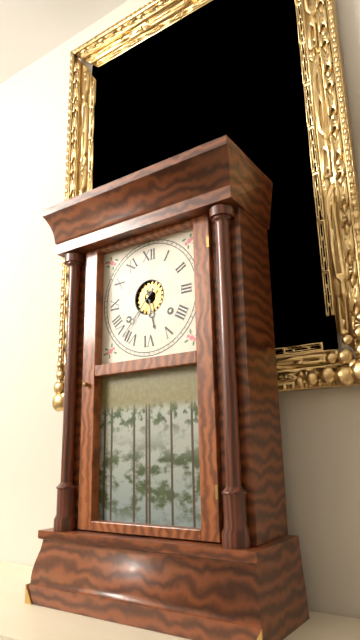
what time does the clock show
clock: 5:37
